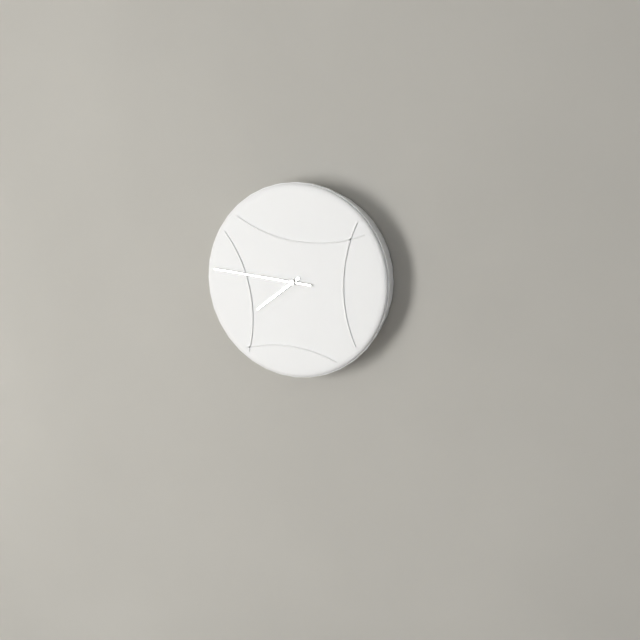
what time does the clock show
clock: 7:46
